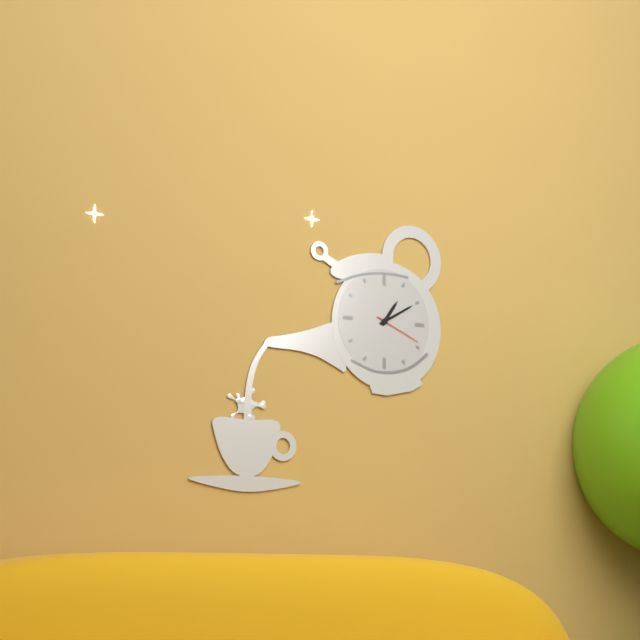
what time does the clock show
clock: 1:10:19
